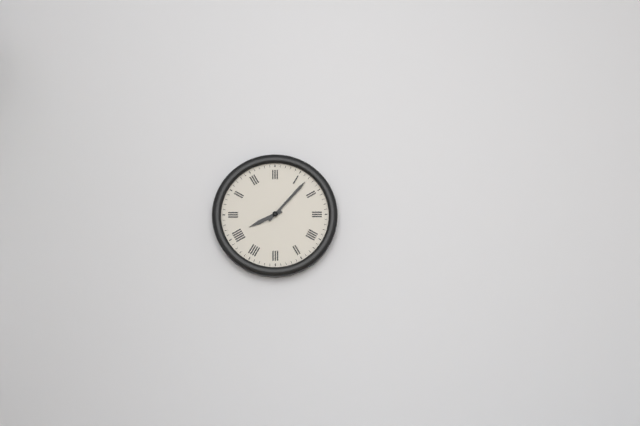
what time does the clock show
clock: 8:07
